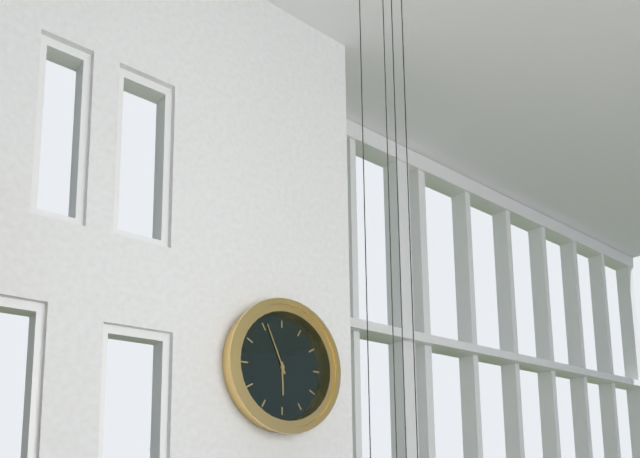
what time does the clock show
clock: 5:56
